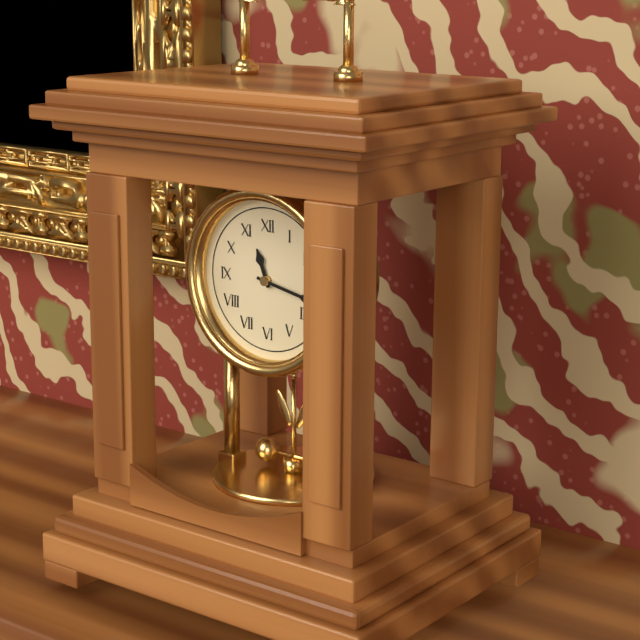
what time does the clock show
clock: 11:17
